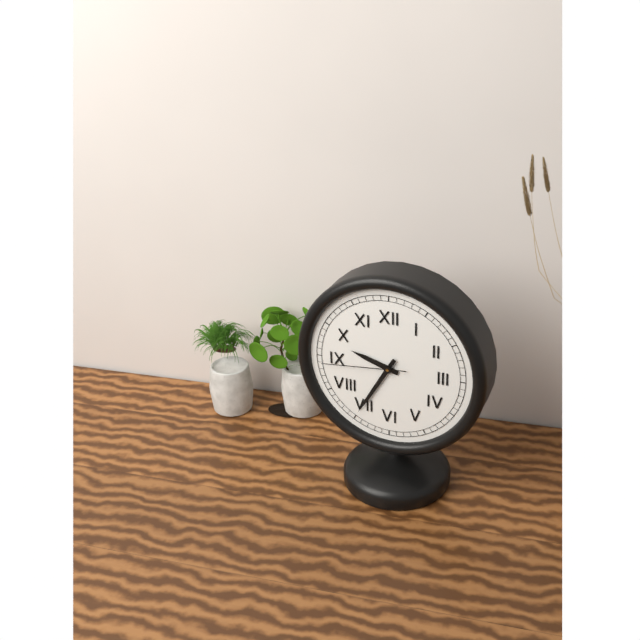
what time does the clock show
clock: 9:35:44
